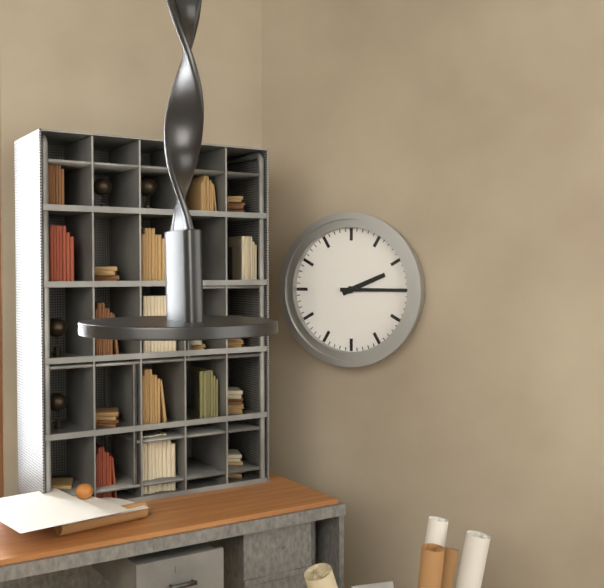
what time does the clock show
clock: 2:15
